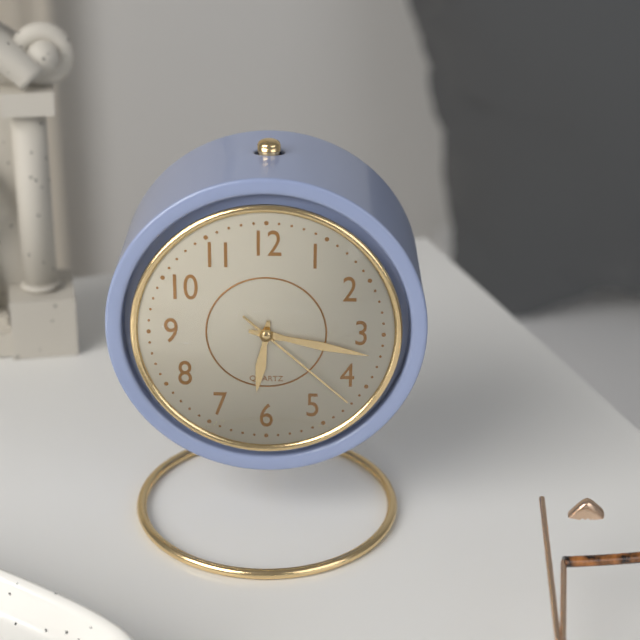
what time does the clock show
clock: 6:17:22
